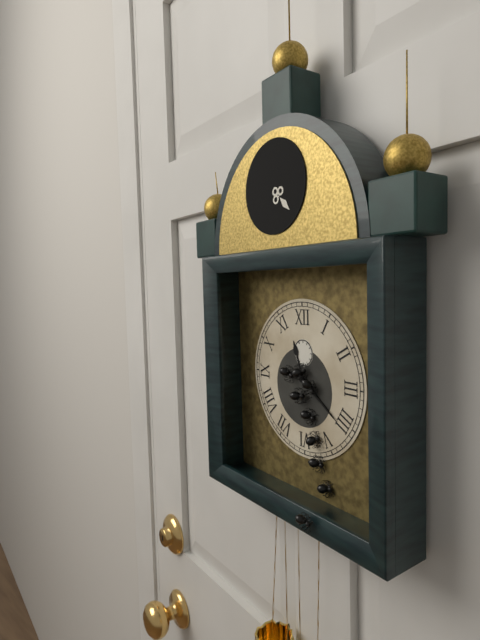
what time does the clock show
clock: 11:21
